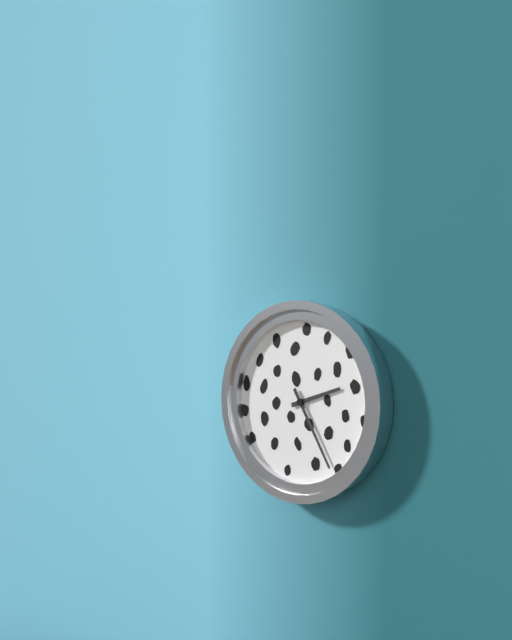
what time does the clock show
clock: 2:25
